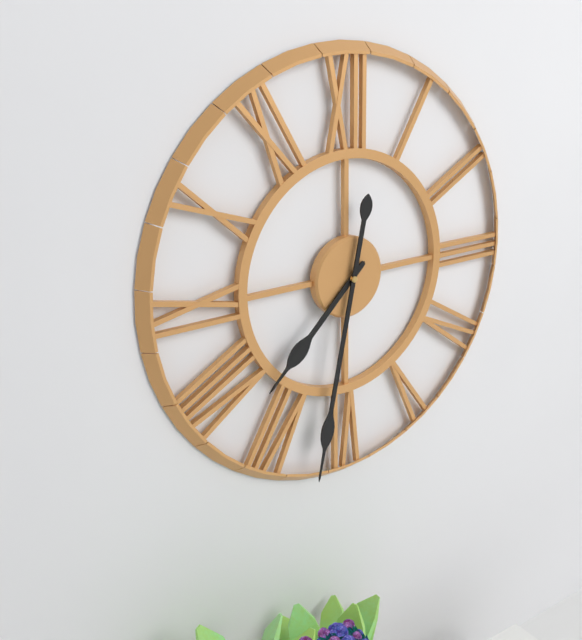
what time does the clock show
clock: 7:32
